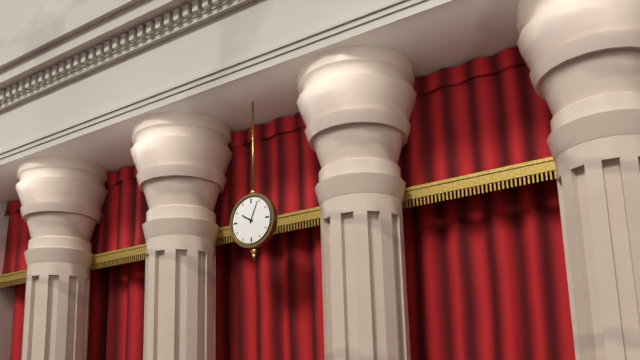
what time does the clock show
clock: 10:04
